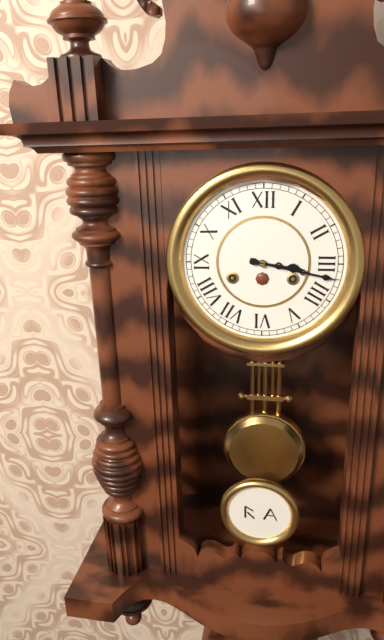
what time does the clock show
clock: 3:17
